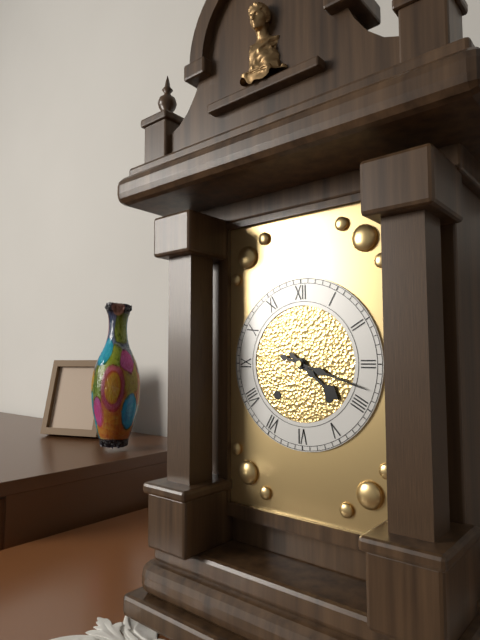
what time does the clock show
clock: 4:18
